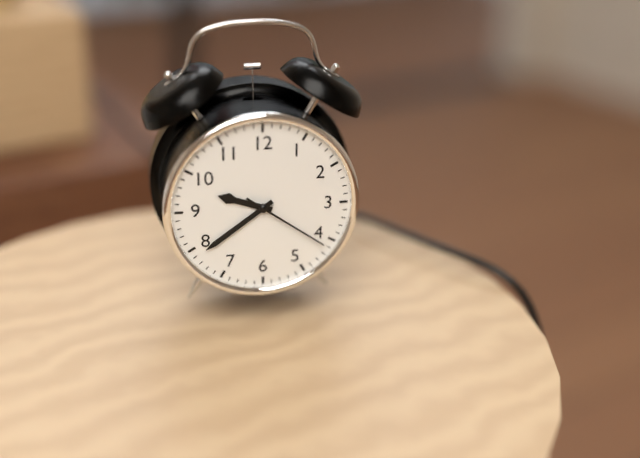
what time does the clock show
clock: 9:39:21
